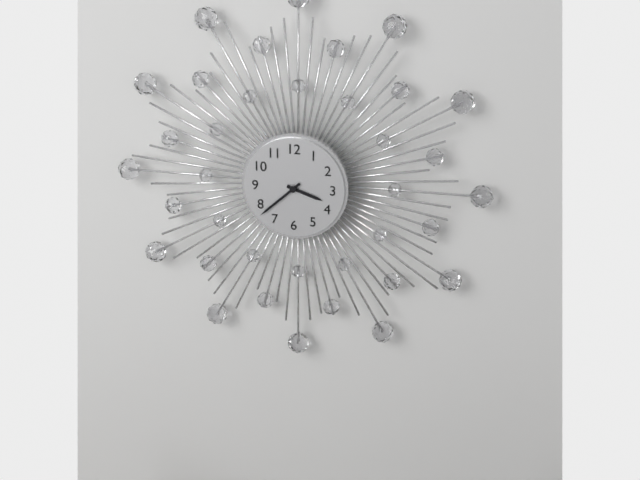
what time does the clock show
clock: 3:38
